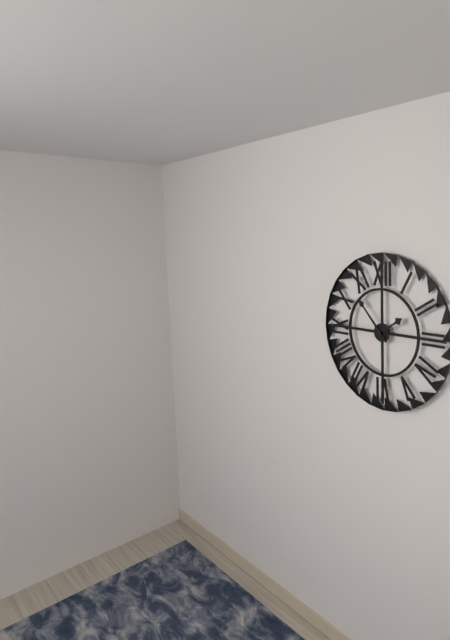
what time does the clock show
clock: 1:53
